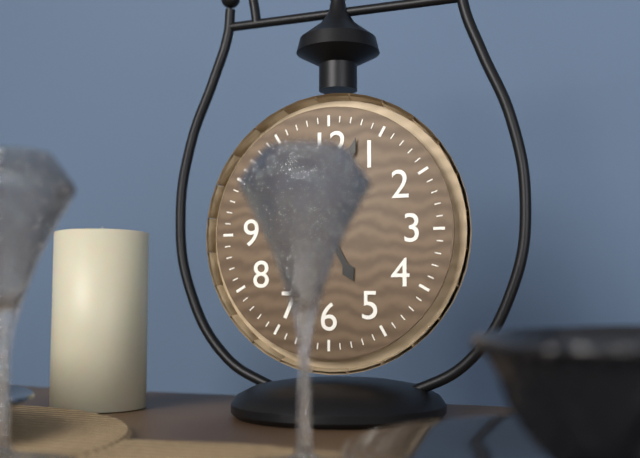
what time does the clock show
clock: 5:03
